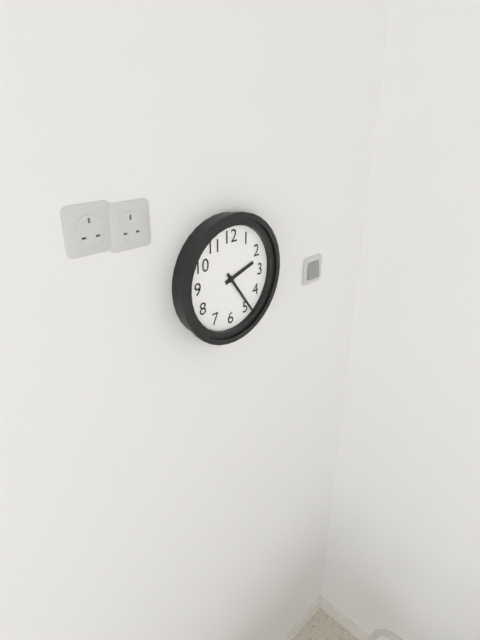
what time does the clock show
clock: 2:24
